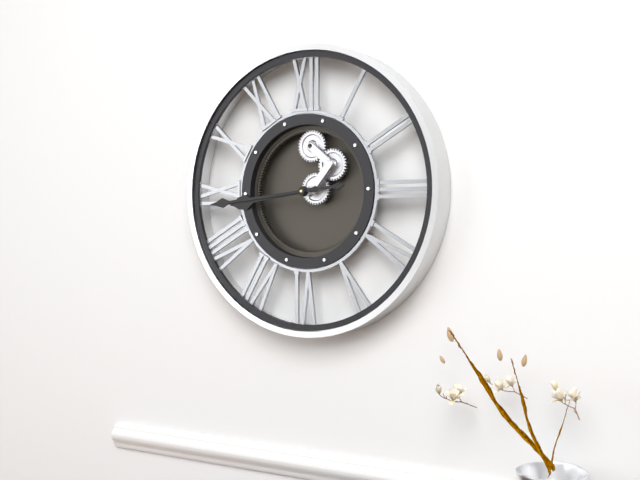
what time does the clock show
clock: 8:44
